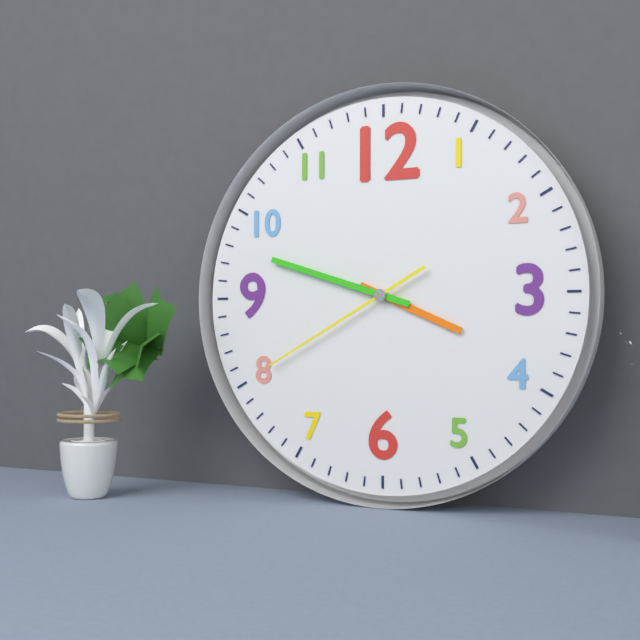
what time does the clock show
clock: 3:48:40
